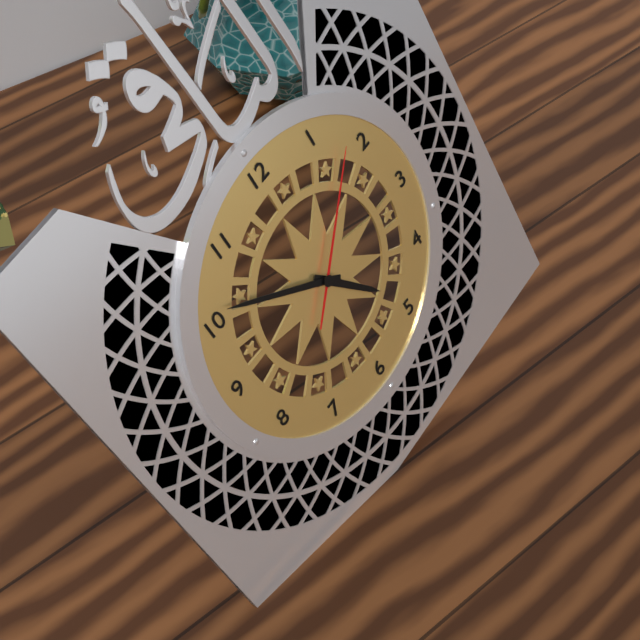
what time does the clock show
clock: 4:51:08
